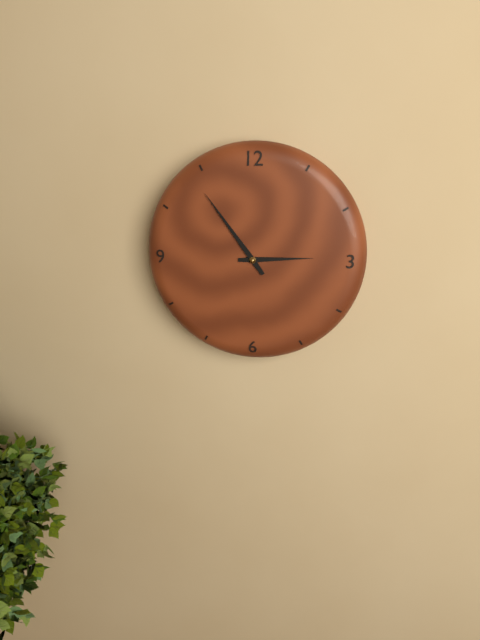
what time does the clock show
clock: 2:54
